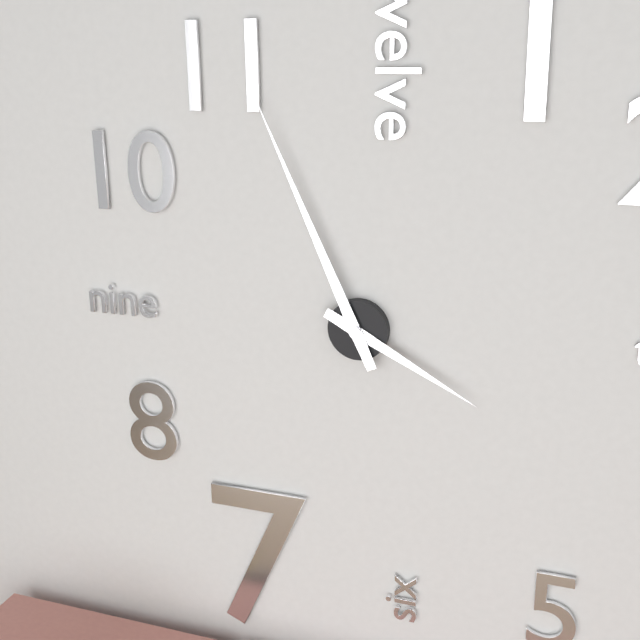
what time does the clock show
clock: 3:56
